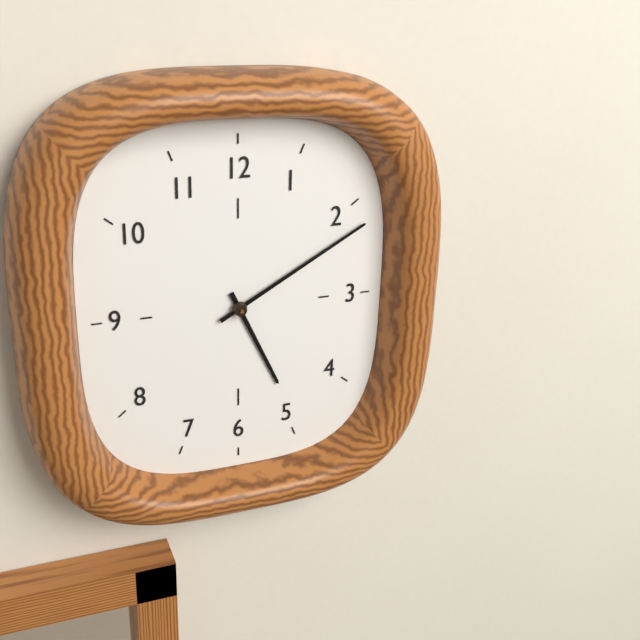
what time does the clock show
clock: 5:10
